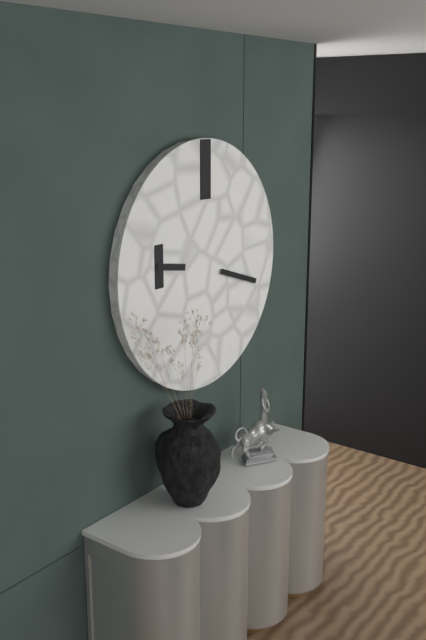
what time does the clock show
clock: 9:18
